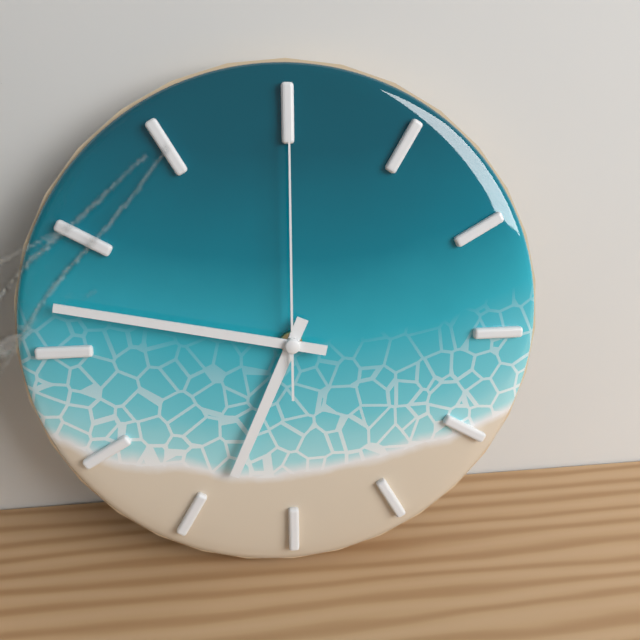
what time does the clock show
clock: 6:47:00
